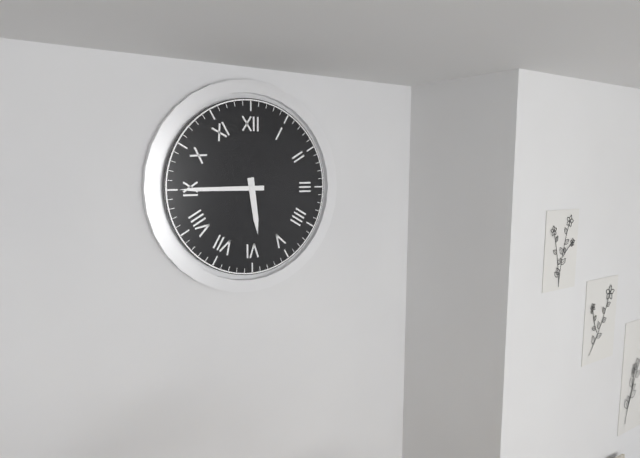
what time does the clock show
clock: 5:45
